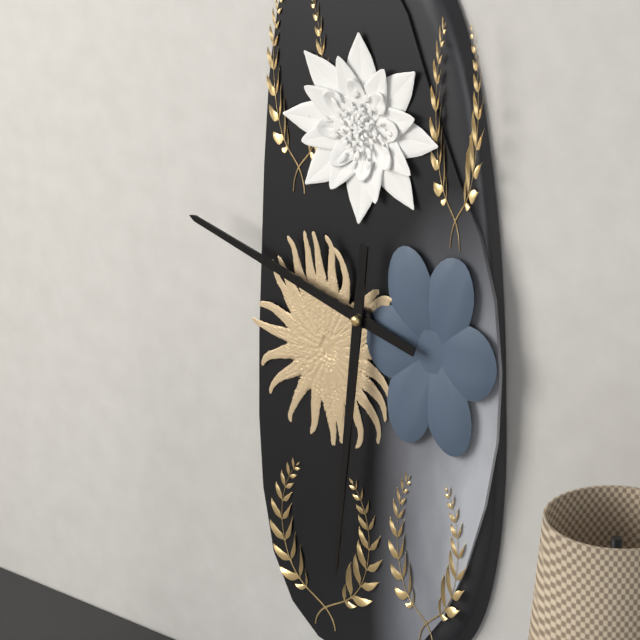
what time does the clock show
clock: 9:31
